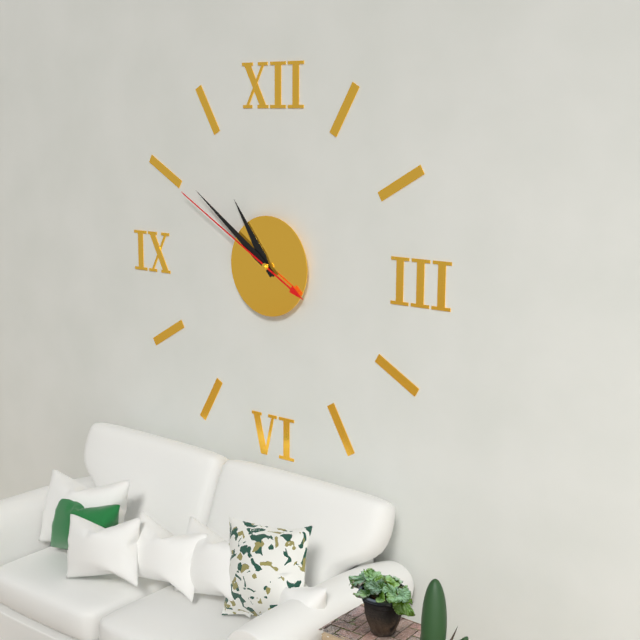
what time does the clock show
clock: 10:51:50
